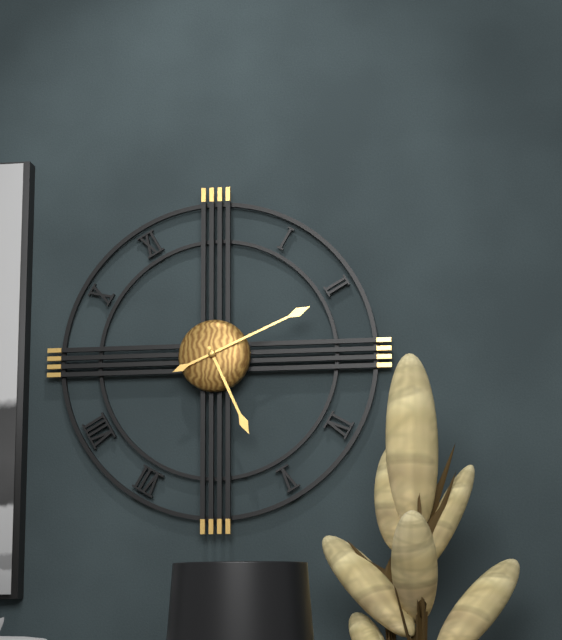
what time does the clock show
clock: 5:11
